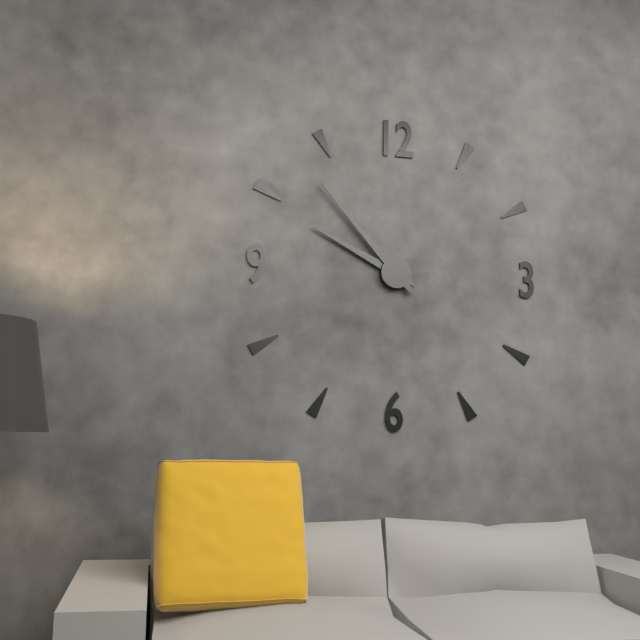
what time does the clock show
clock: 9:53
